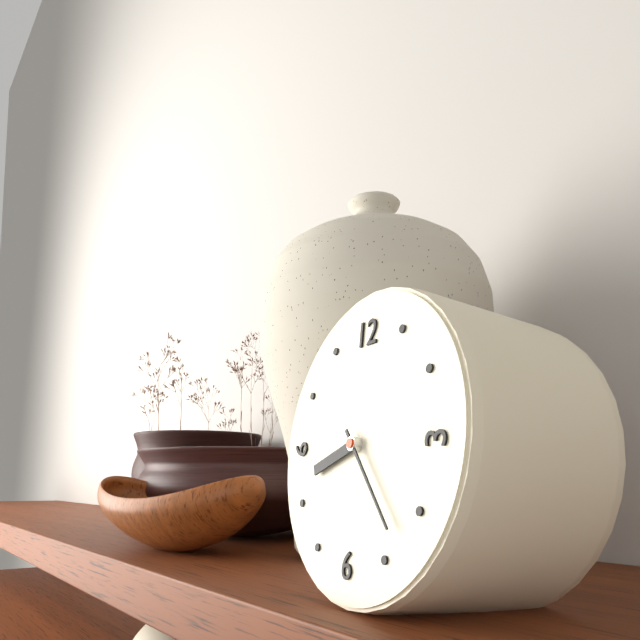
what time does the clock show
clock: 8:23
